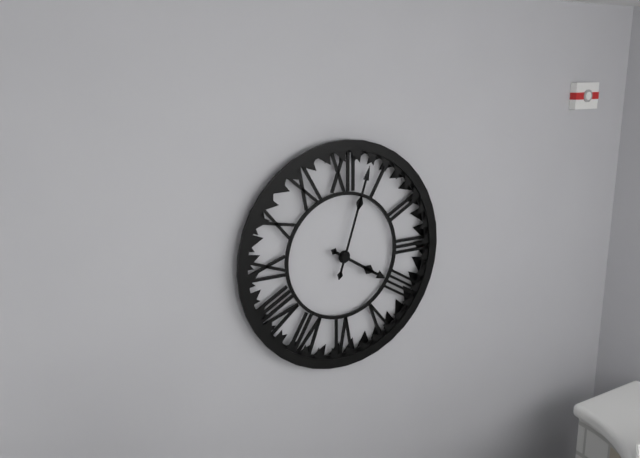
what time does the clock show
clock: 4:03
